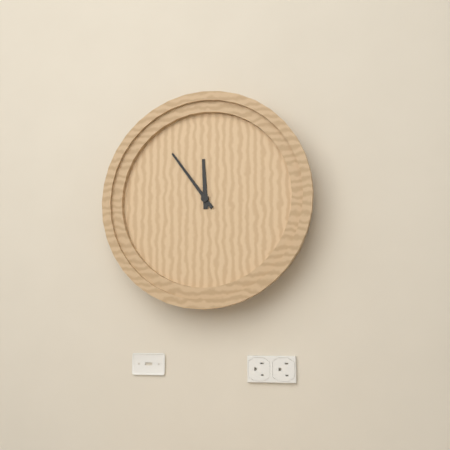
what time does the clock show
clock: 11:54
